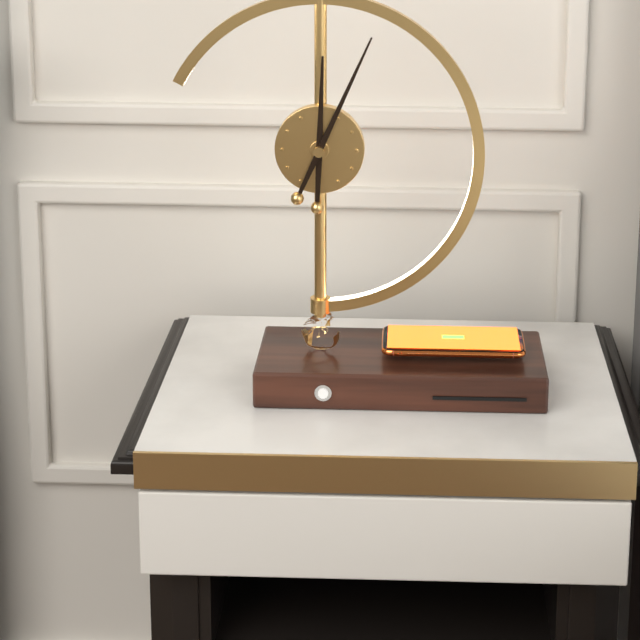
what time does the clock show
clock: 12:04
